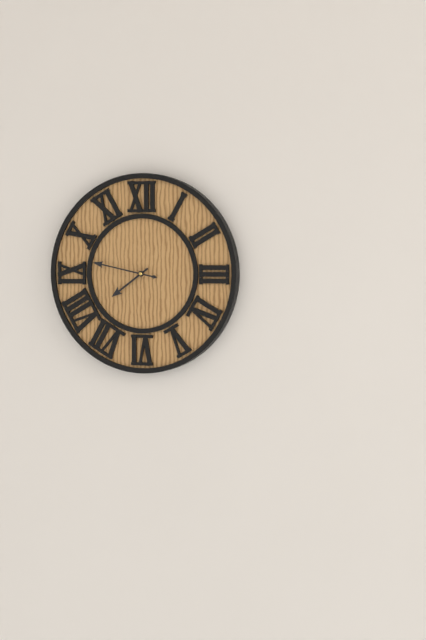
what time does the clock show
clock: 7:47
